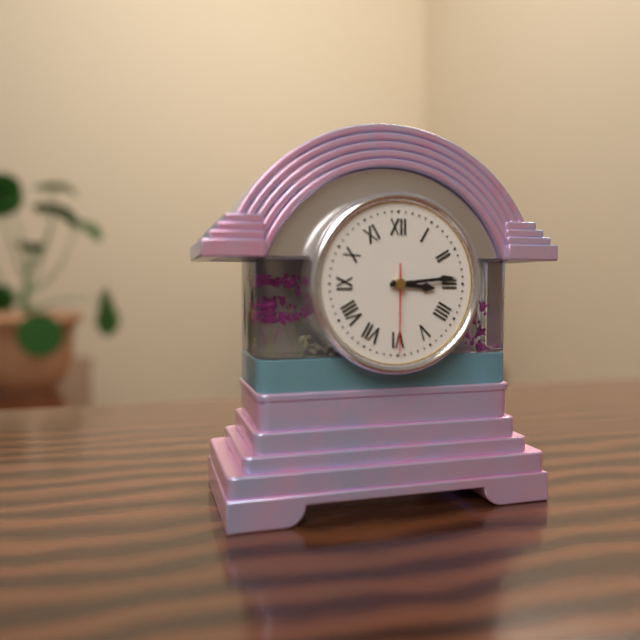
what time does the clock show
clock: 3:14:30
